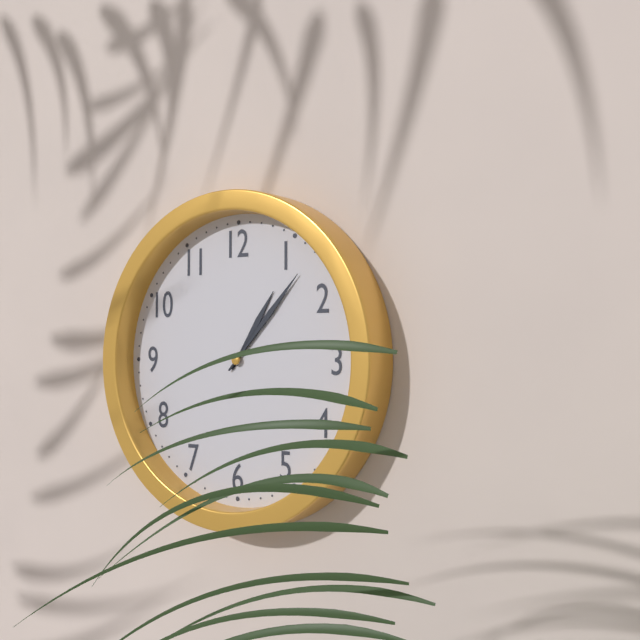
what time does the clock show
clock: 1:07
